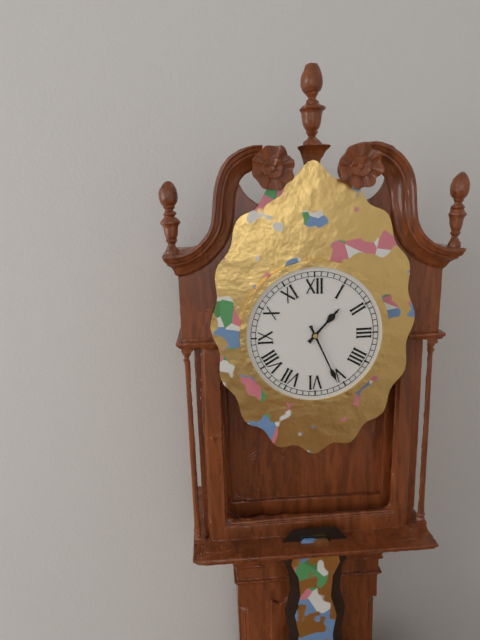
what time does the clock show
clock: 1:26
